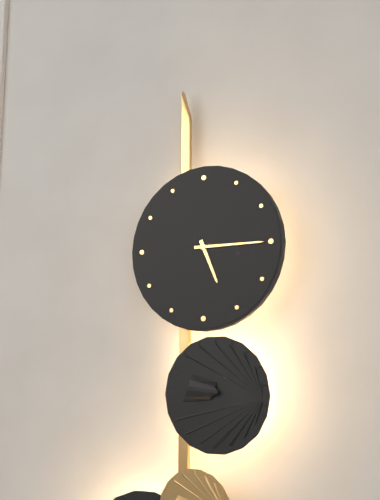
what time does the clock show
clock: 5:15
